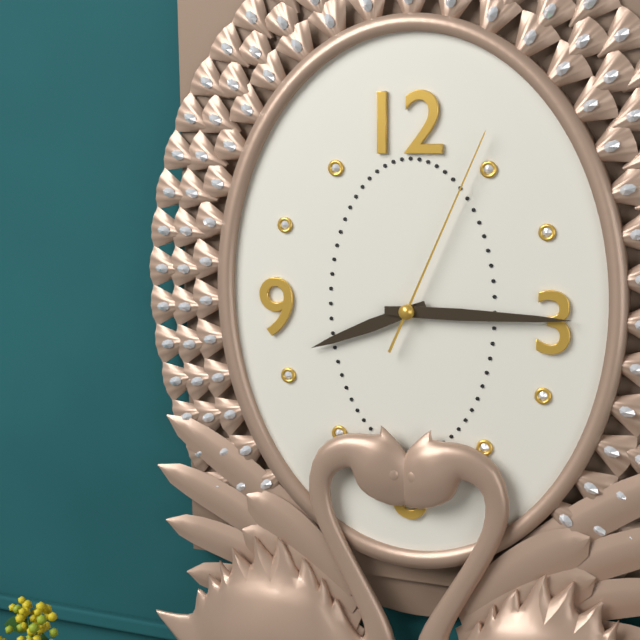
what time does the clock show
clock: 8:15:04
